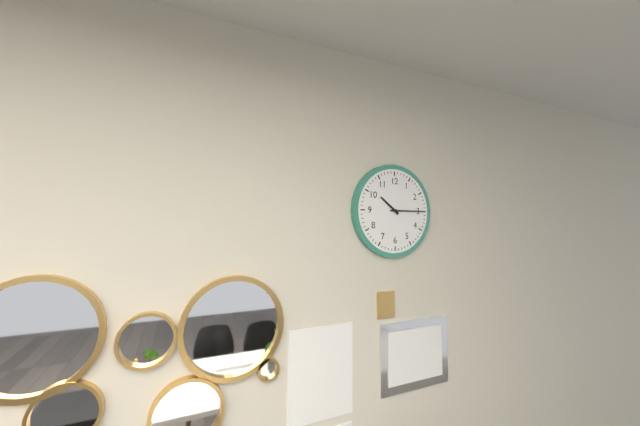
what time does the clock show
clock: 10:15
